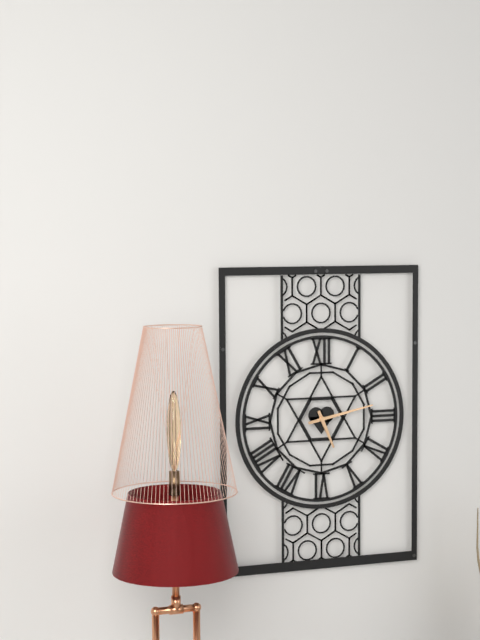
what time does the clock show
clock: 5:13
